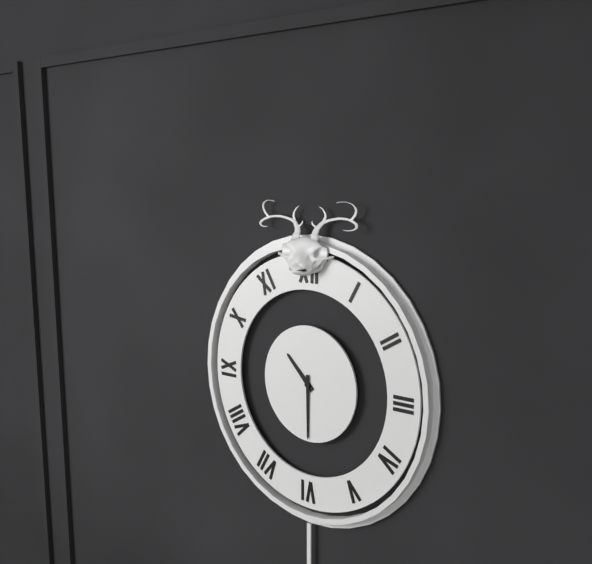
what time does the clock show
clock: 10:30
